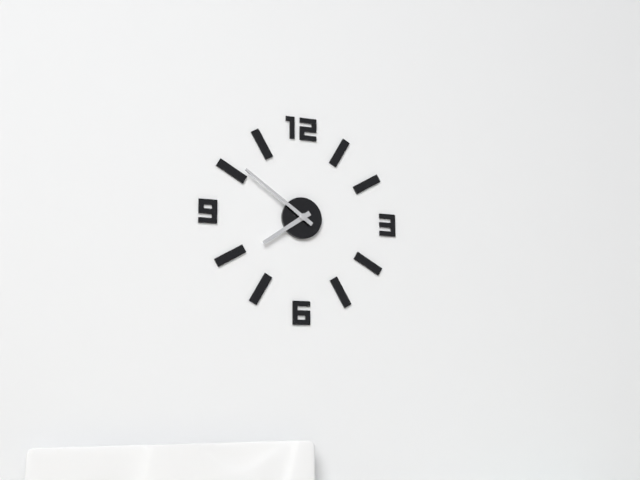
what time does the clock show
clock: 7:51
